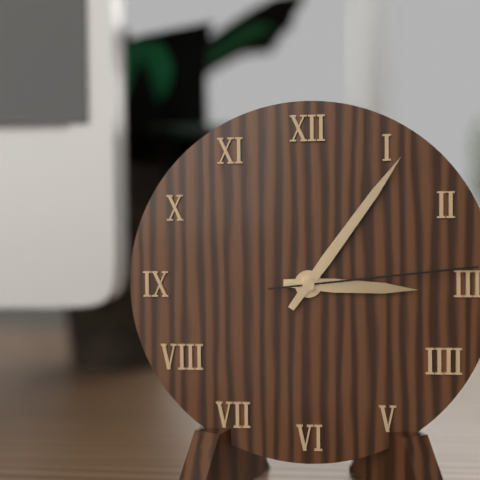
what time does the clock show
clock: 3:06:14
